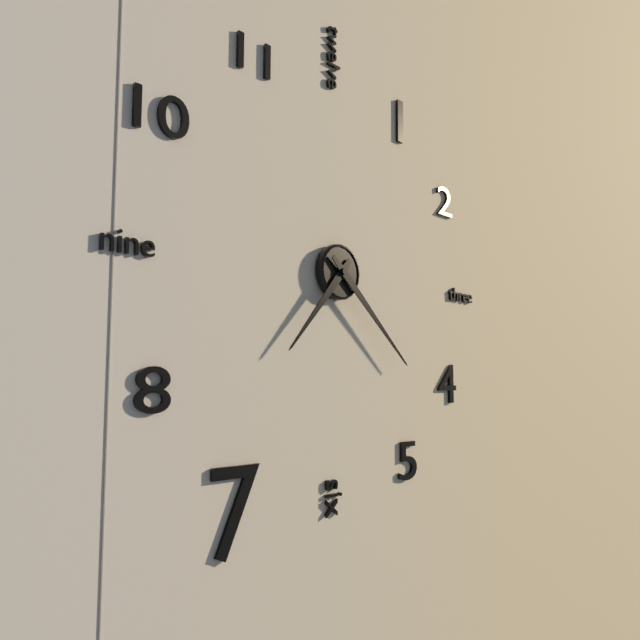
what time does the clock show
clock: 7:22
